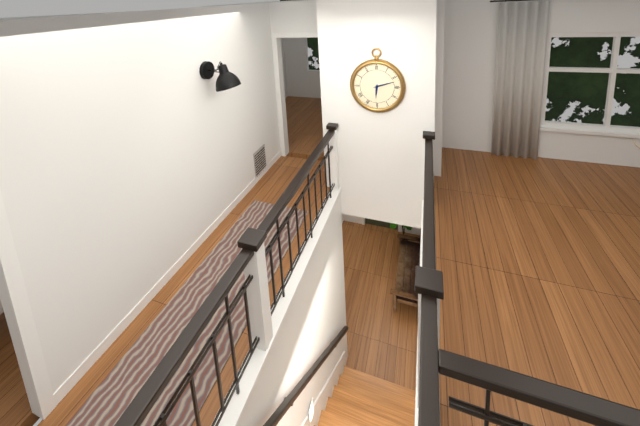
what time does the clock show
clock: 6:12
